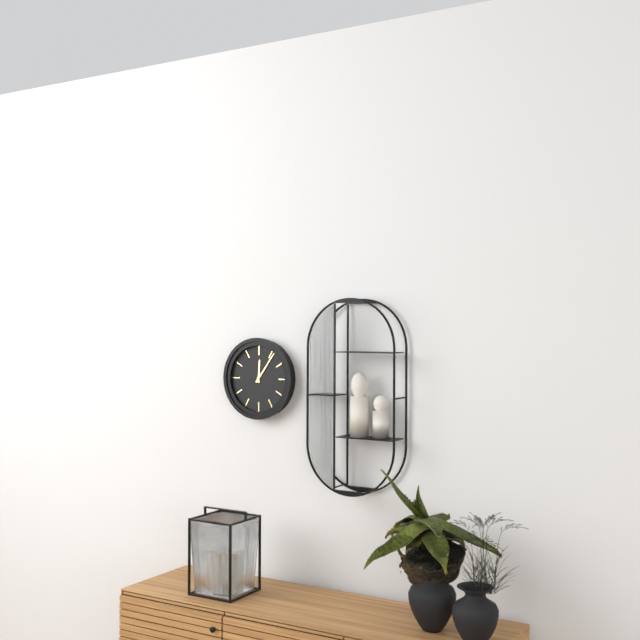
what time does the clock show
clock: 12:06
